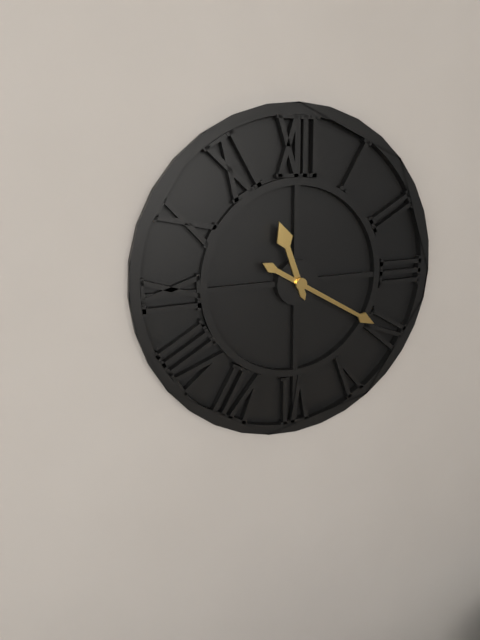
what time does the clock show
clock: 11:20
